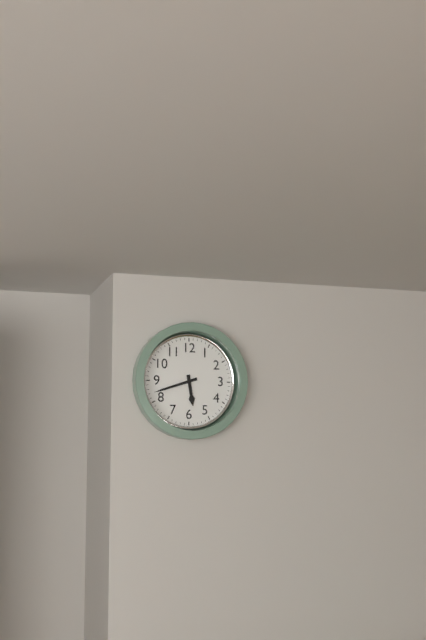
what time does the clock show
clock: 5:42
